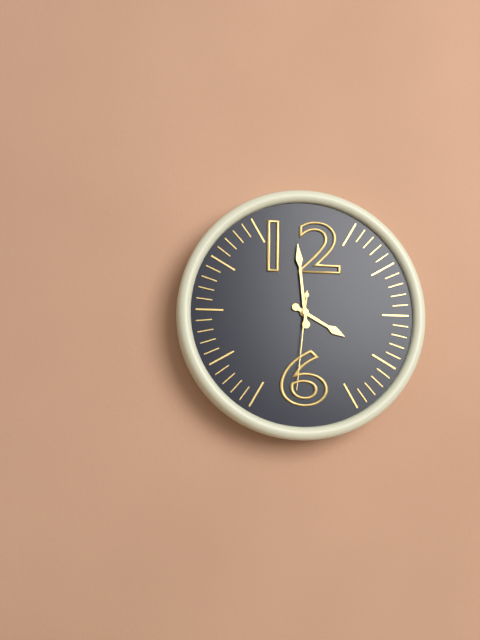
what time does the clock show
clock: 3:59:31
